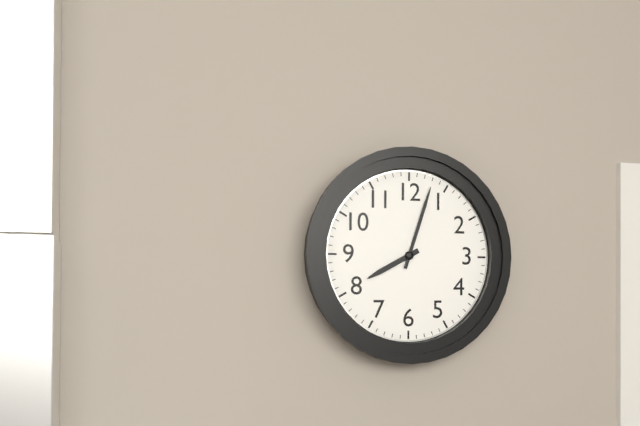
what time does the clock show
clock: 8:03
